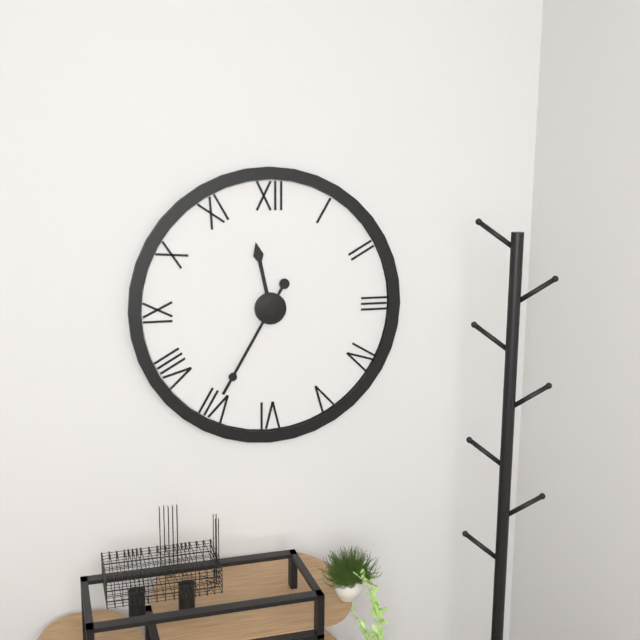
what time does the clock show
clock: 11:35
